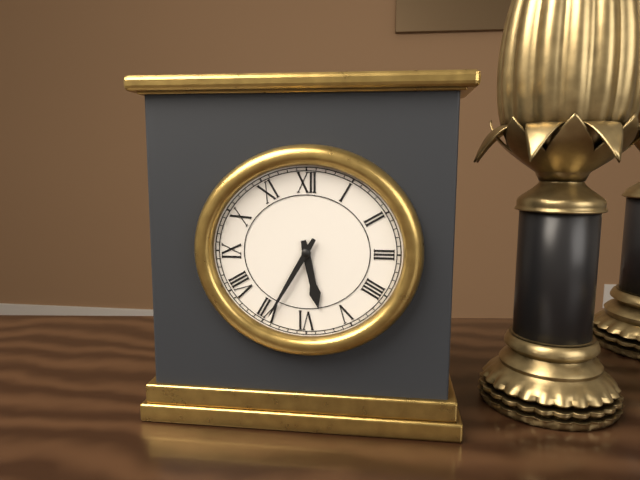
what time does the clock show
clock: 5:35
